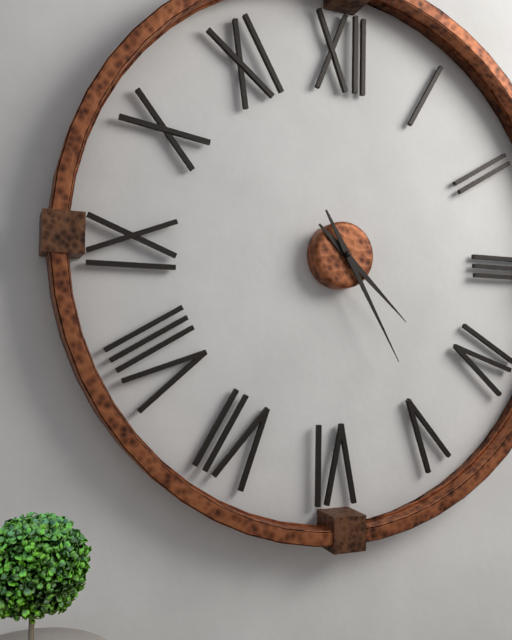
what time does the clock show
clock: 4:25
